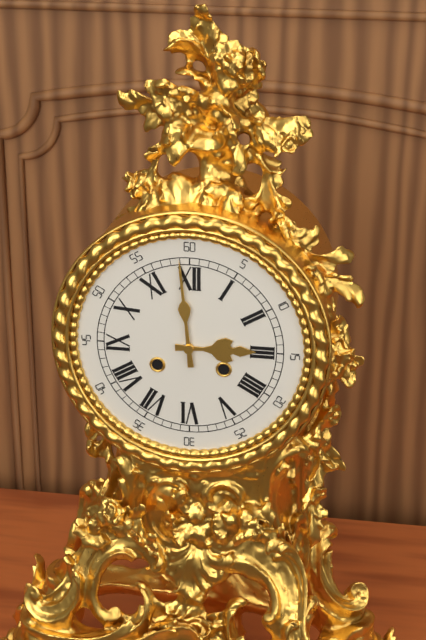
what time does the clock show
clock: 2:59
